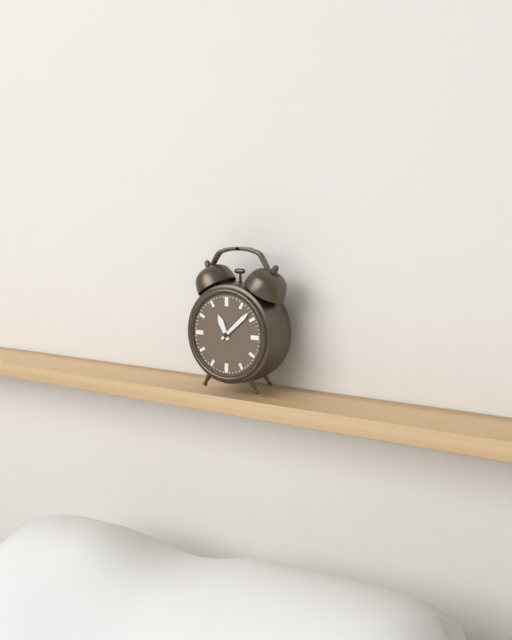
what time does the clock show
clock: 11:08
